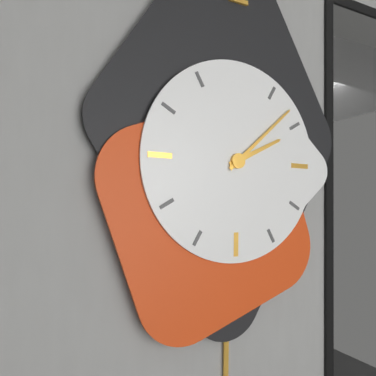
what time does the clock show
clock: 2:08
